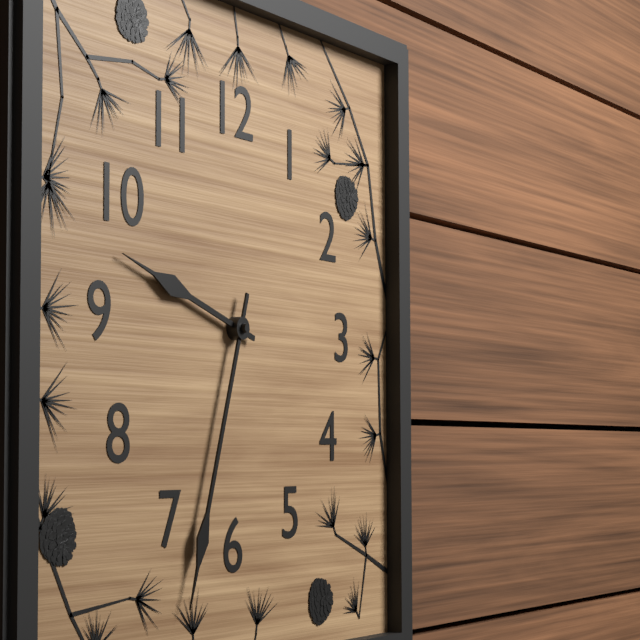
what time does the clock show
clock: 9:33
